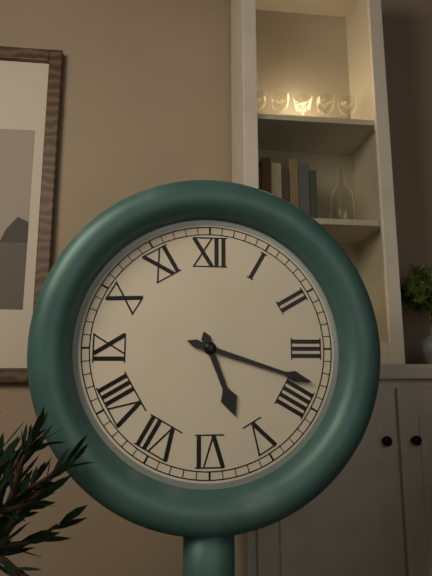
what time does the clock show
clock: 5:18
